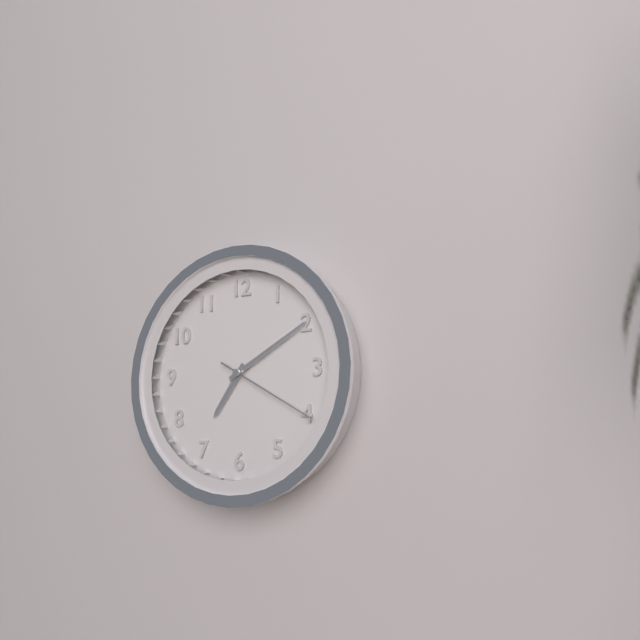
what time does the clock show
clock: 7:10:20
